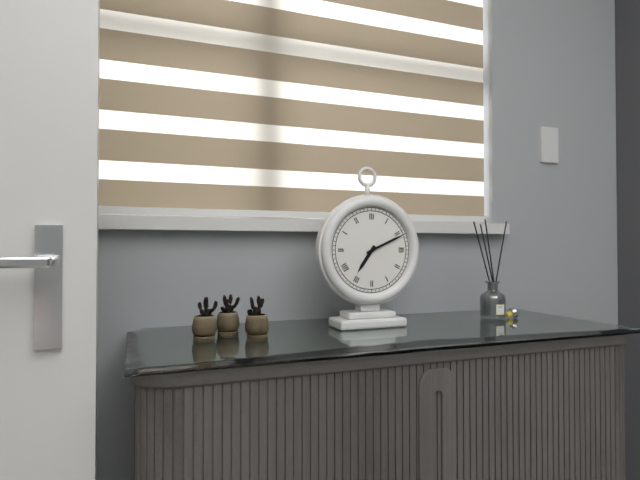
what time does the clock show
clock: 7:11
